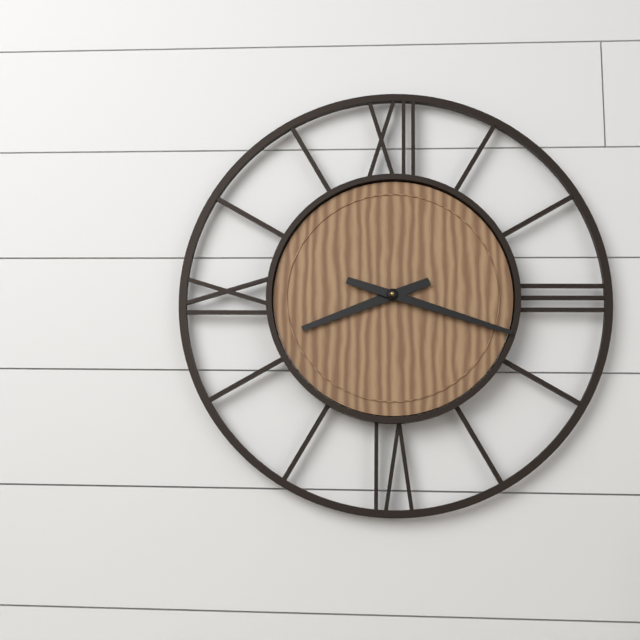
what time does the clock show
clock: 8:18
